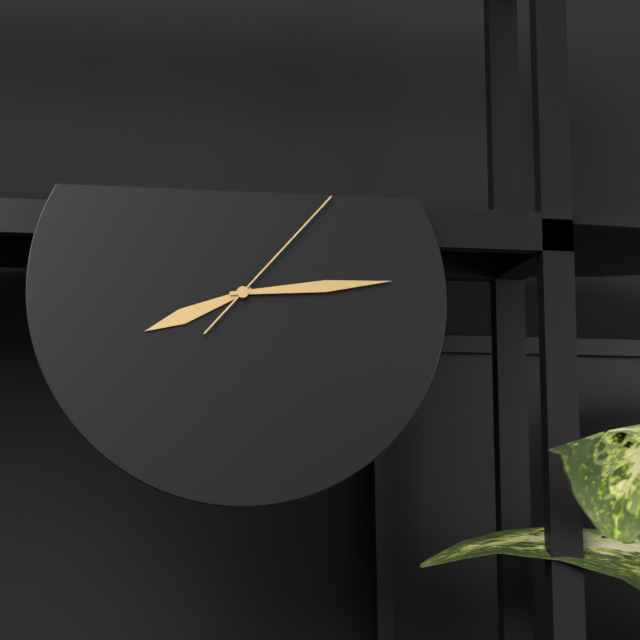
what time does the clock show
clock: 8:14:07
